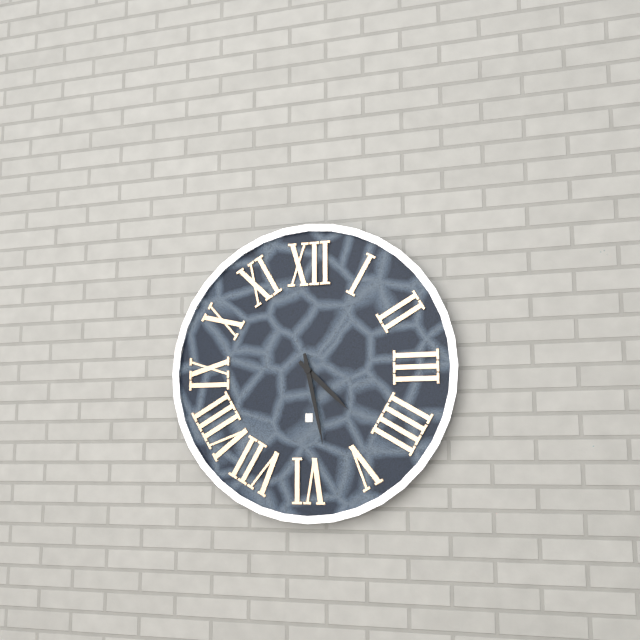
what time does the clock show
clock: 4:28
